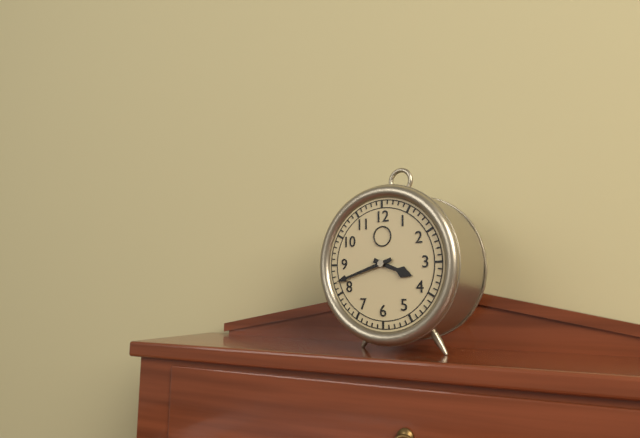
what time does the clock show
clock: 3:42
